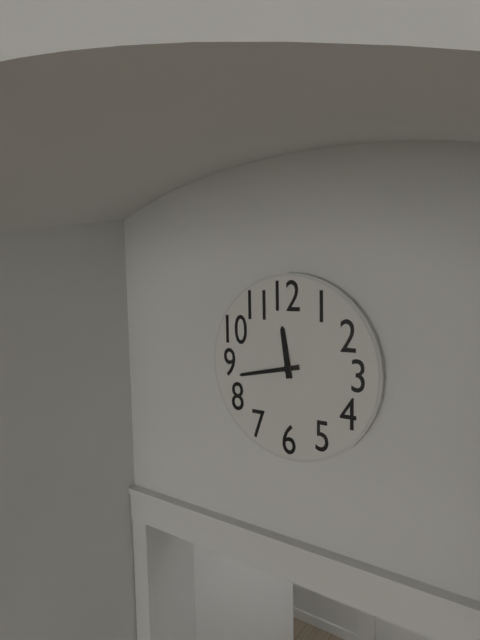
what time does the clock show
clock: 11:43
